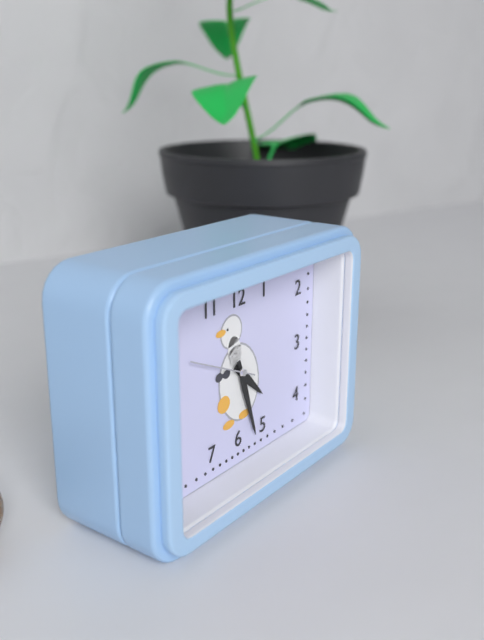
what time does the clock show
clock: 4:27:49
